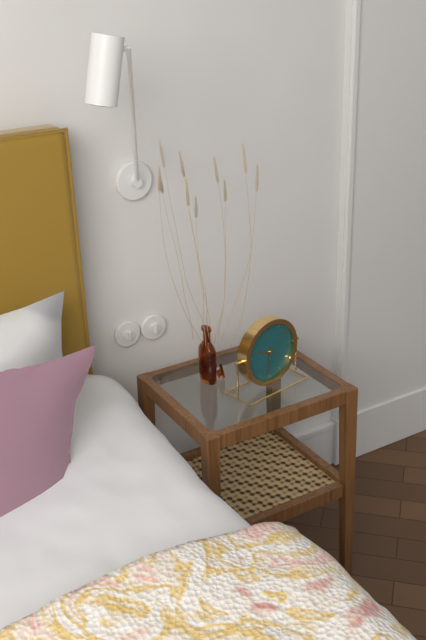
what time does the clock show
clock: 9:32
